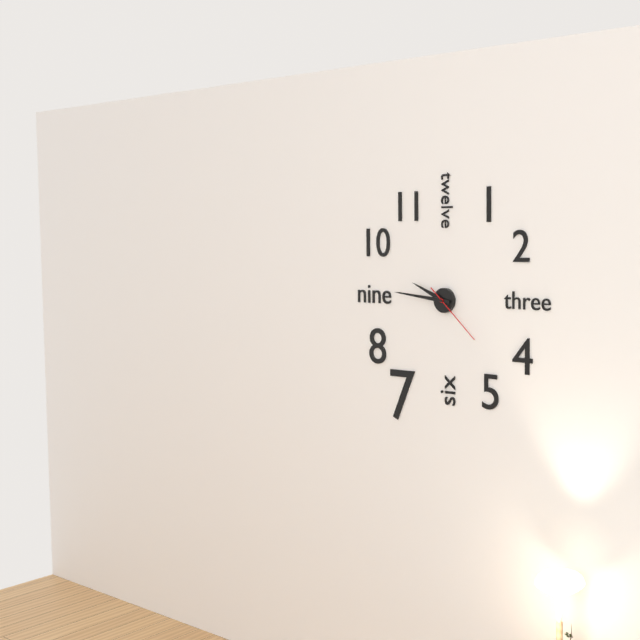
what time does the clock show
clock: 9:46:22
